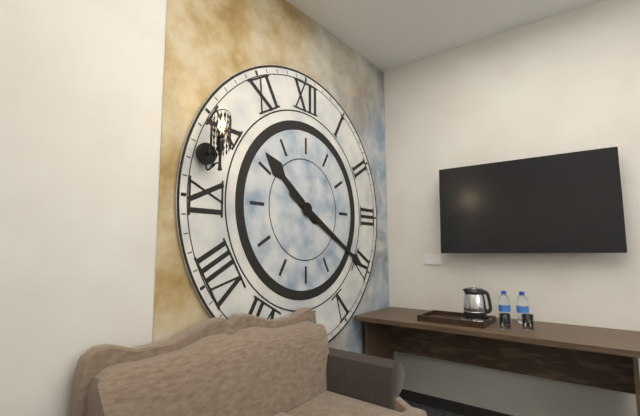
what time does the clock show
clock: 10:20
